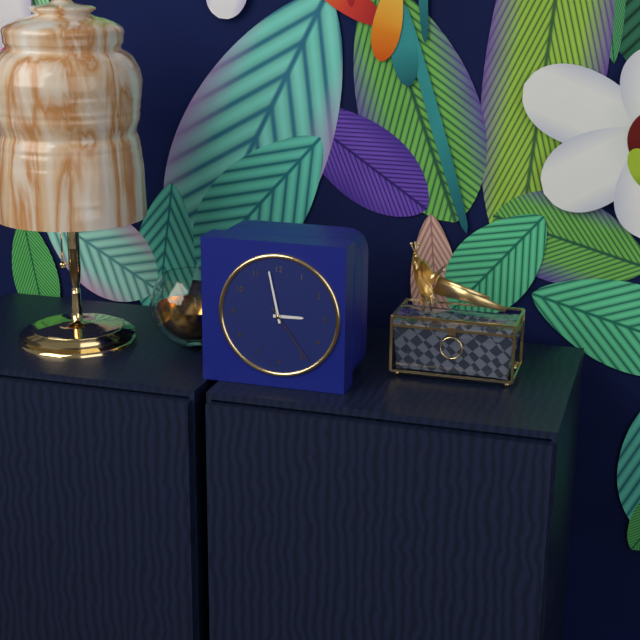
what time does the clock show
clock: 2:58:24
